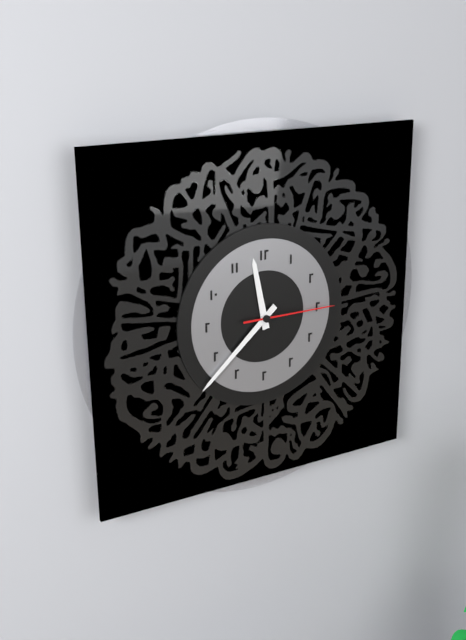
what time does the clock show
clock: 11:38:15
